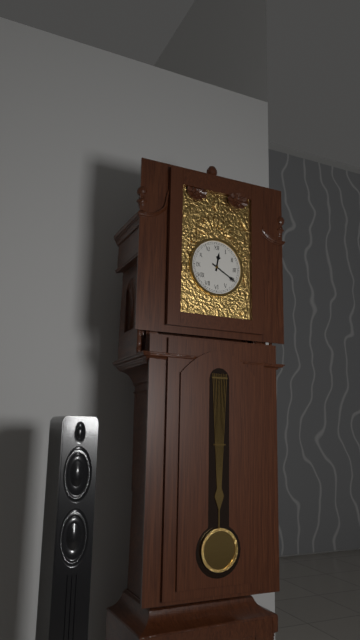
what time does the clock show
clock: 12:20
